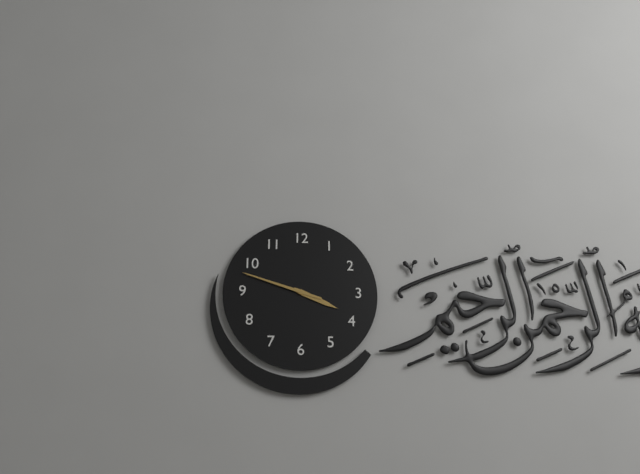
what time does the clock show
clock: 3:48
